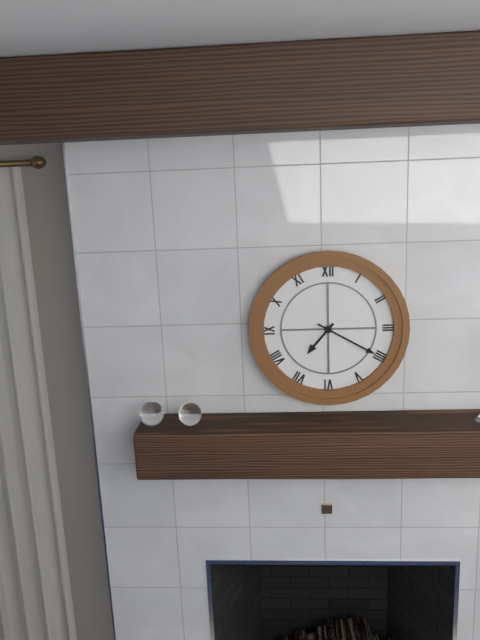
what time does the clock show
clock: 7:20
